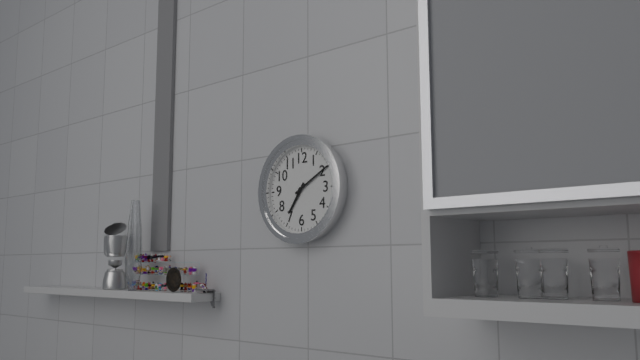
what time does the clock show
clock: 7:10
